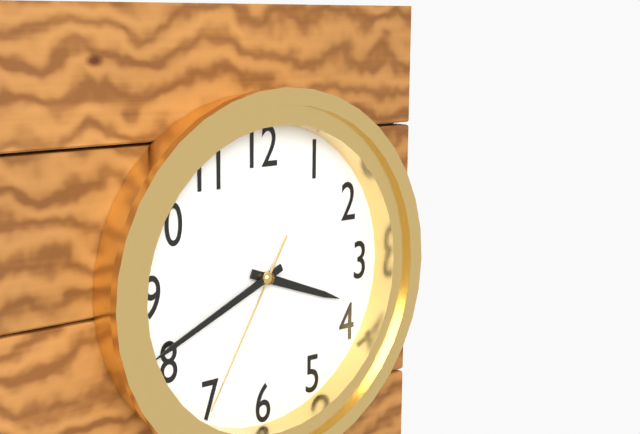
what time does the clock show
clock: 3:41:35
